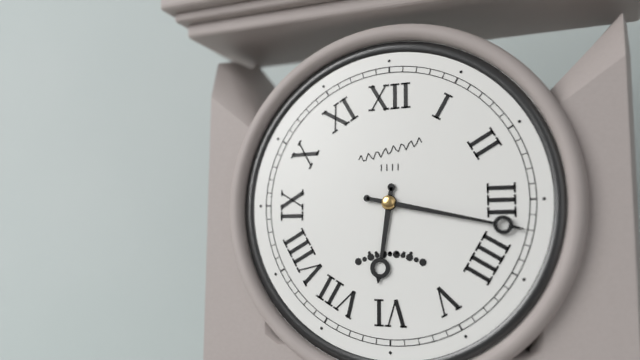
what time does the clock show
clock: 6:17
